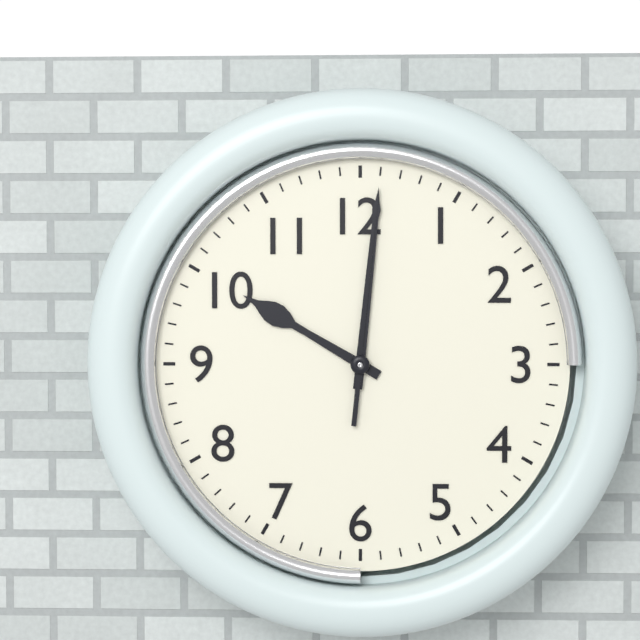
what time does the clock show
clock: 10:01:01
